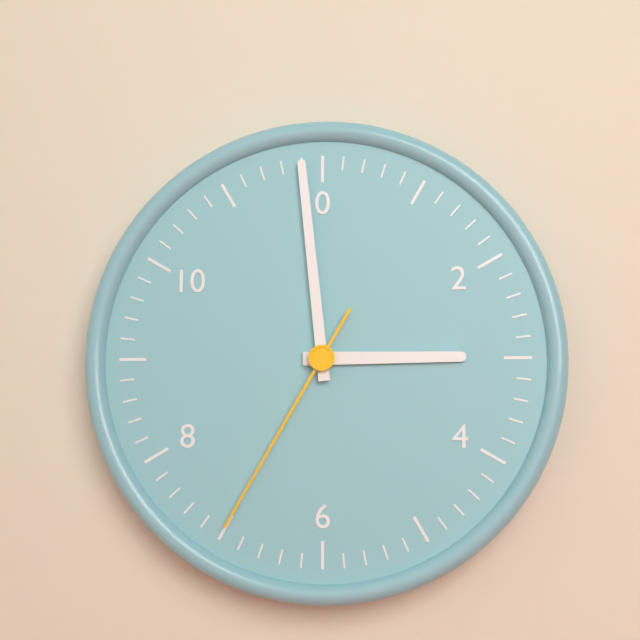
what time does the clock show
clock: 2:59:35
